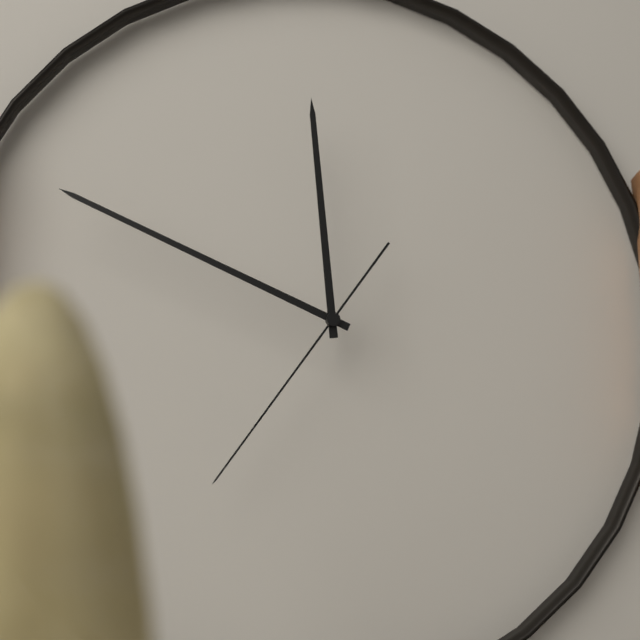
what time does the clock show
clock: 11:49:36
